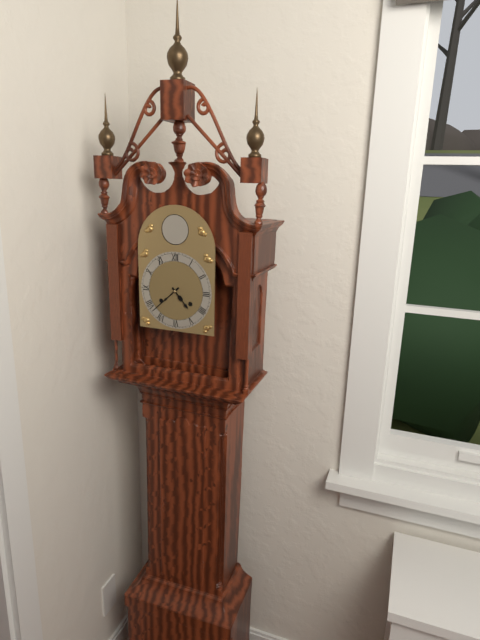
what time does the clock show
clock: 4:38
